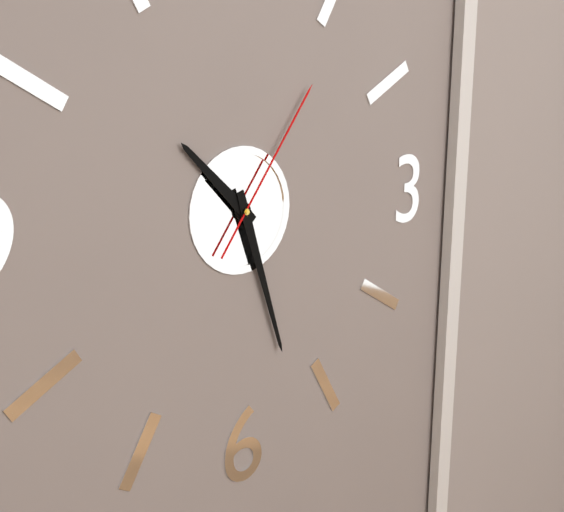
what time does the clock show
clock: 10:27:06
